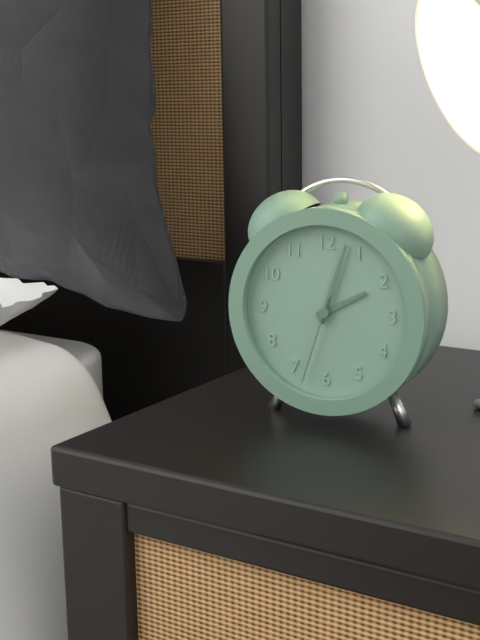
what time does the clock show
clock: 2:03:33
